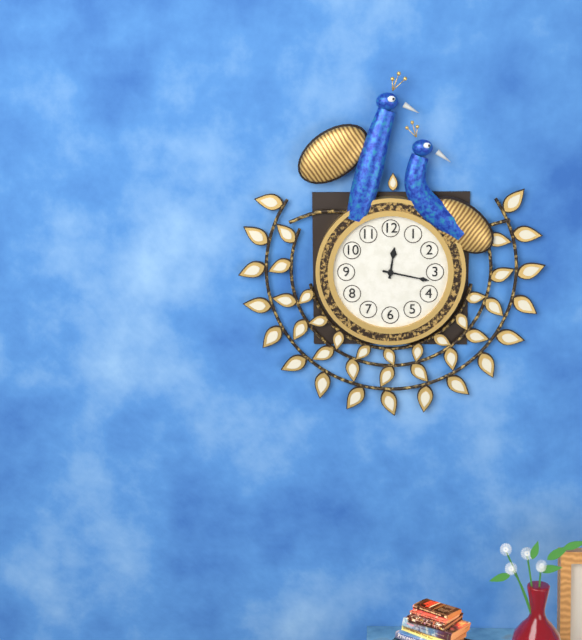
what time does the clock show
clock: 12:17
